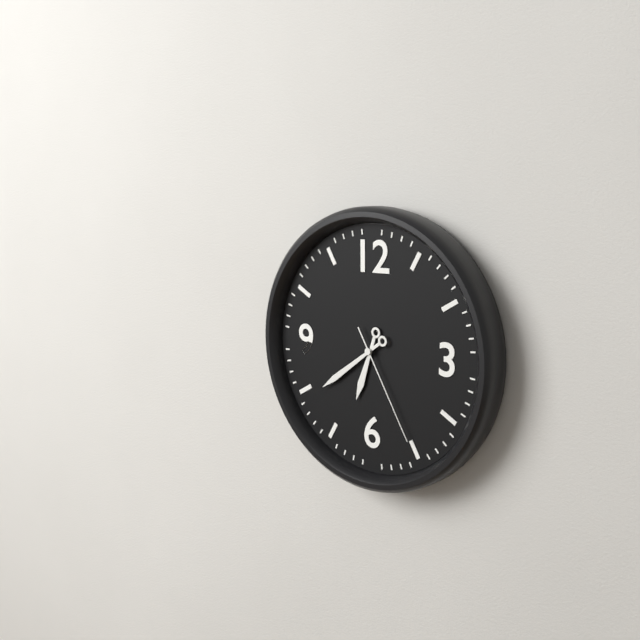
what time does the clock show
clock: 6:39:25
